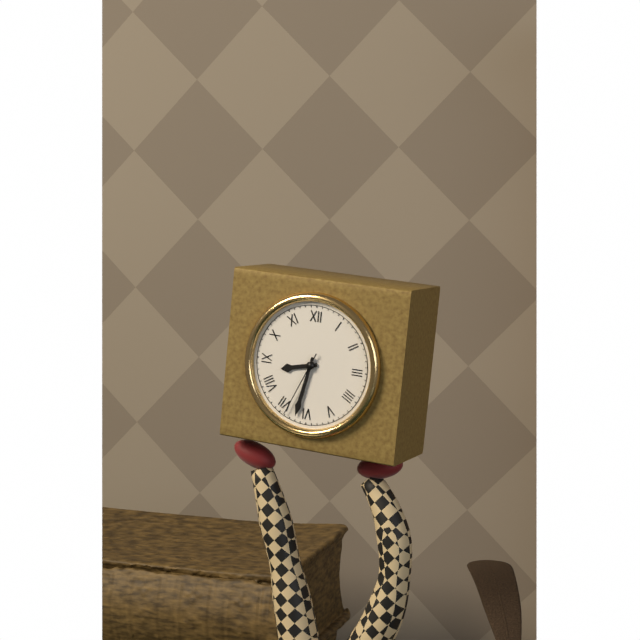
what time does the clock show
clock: 8:32:34
